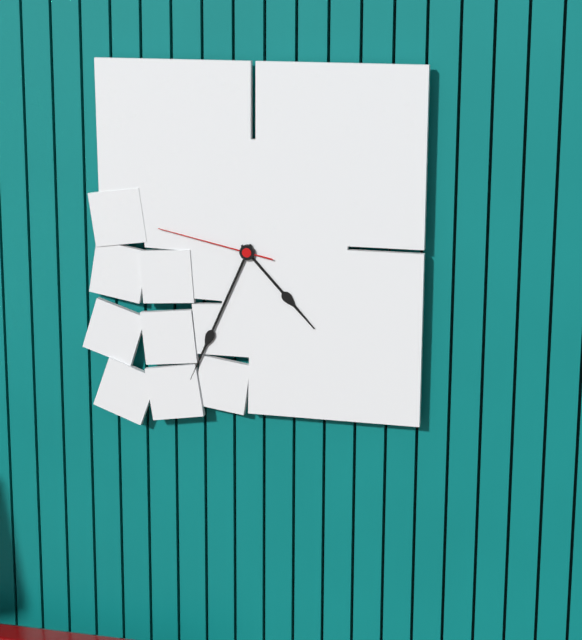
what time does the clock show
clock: 4:34:47
